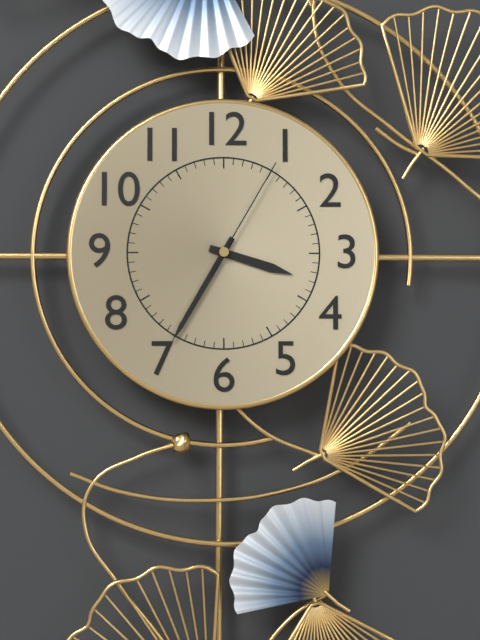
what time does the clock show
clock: 3:35:05
